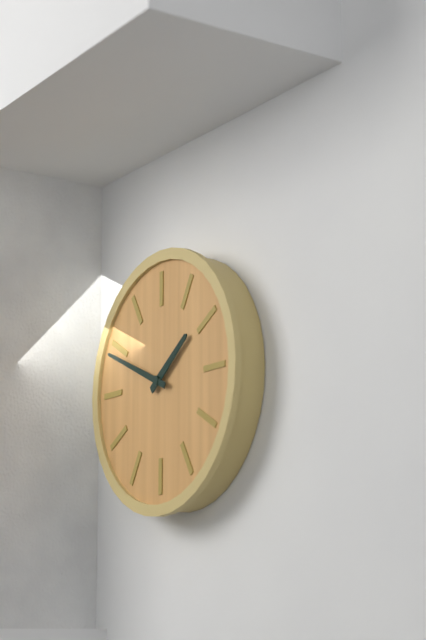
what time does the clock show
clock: 1:49
